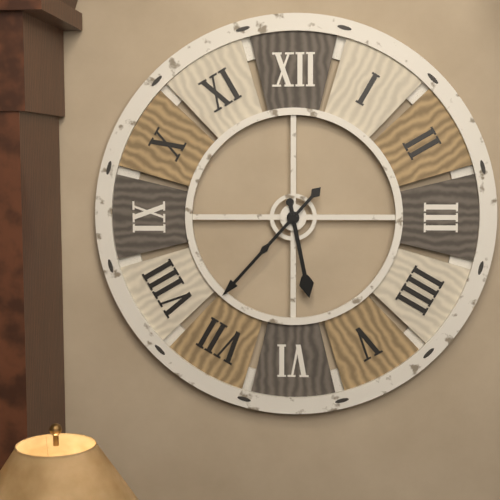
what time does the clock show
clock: 5:37
